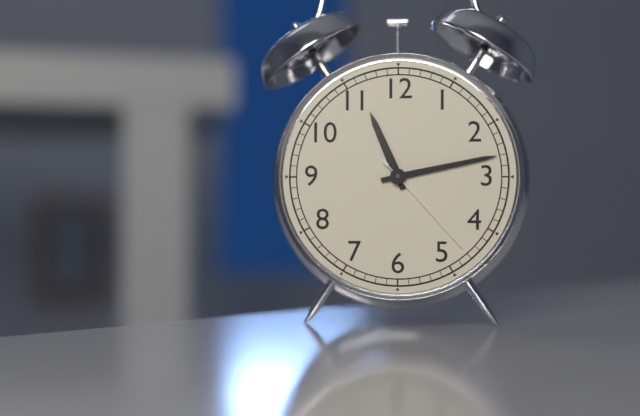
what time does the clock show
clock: 11:13:23
